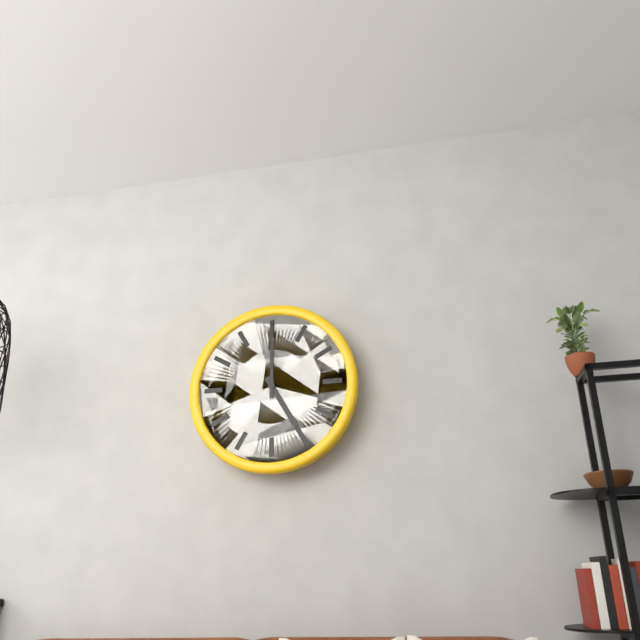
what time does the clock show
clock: 5:00
